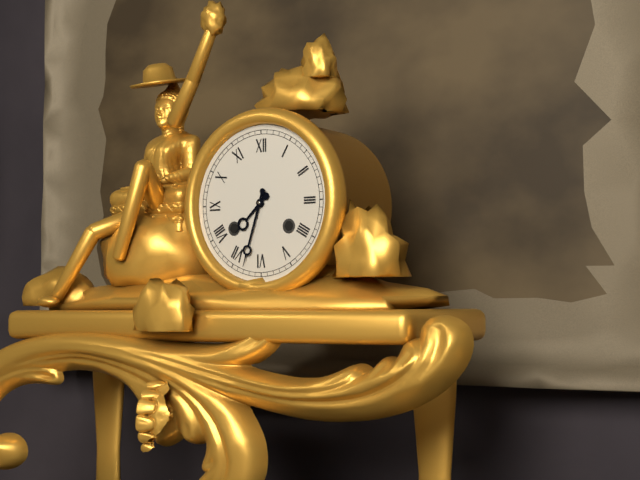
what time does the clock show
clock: 7:33
